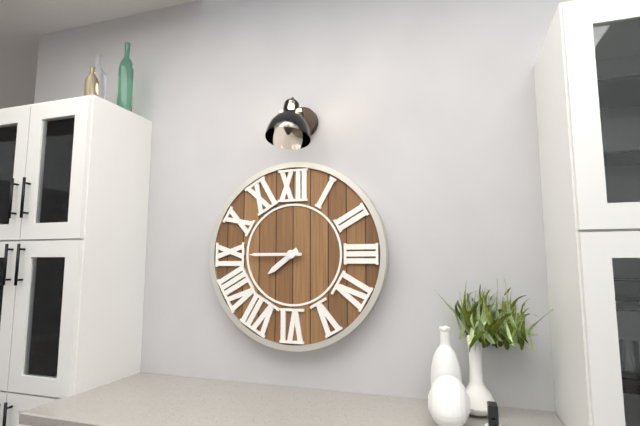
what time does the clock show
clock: 7:45
